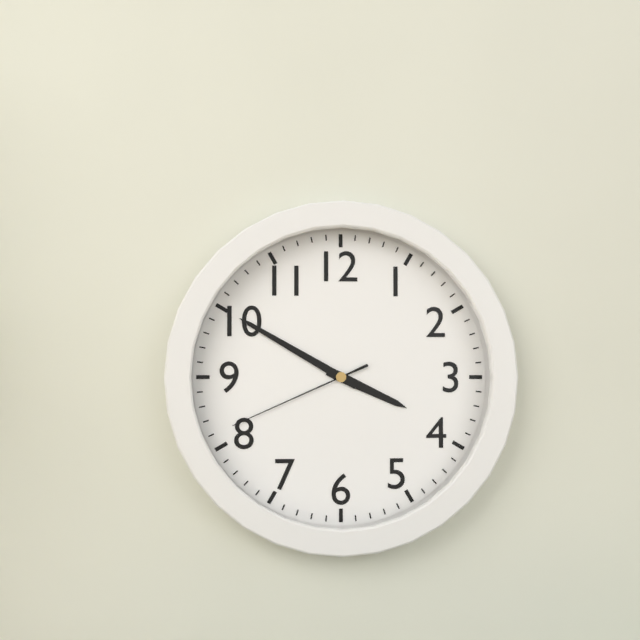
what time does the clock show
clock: 3:50:41
